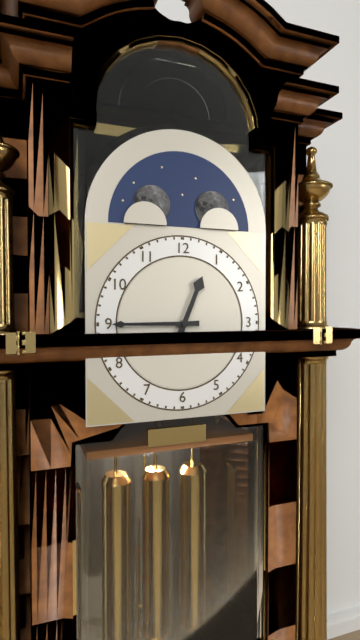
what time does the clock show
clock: 12:45
